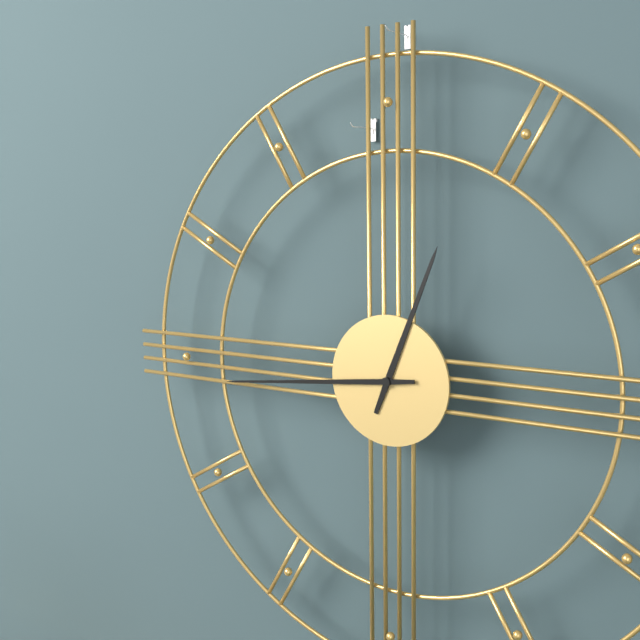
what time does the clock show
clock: 12:44
